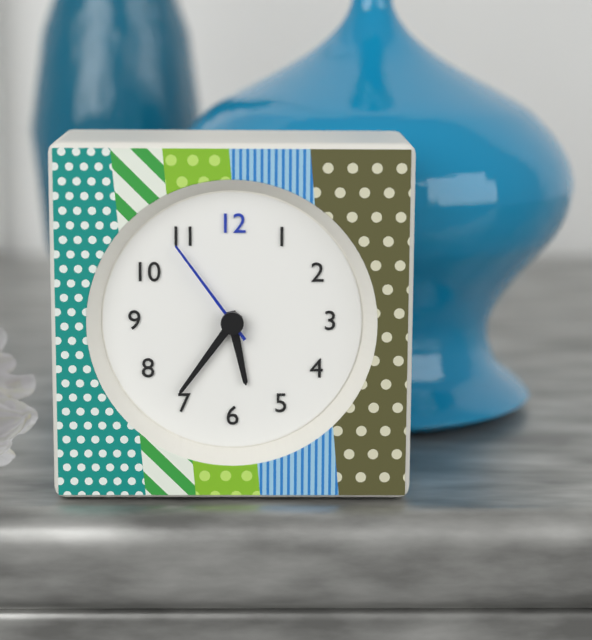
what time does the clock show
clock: 5:36:54
